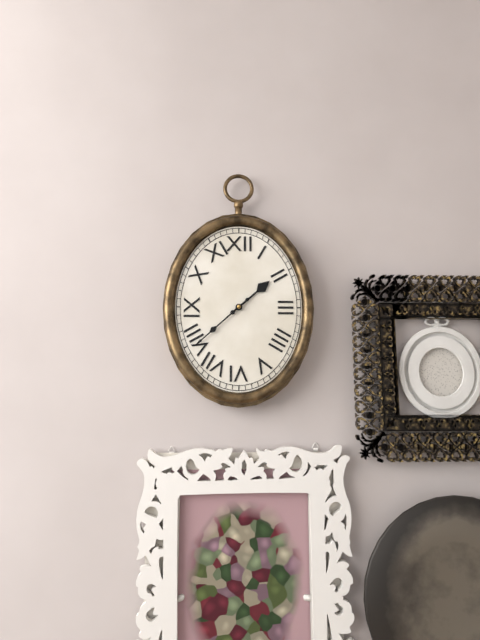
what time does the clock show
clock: 1:38
